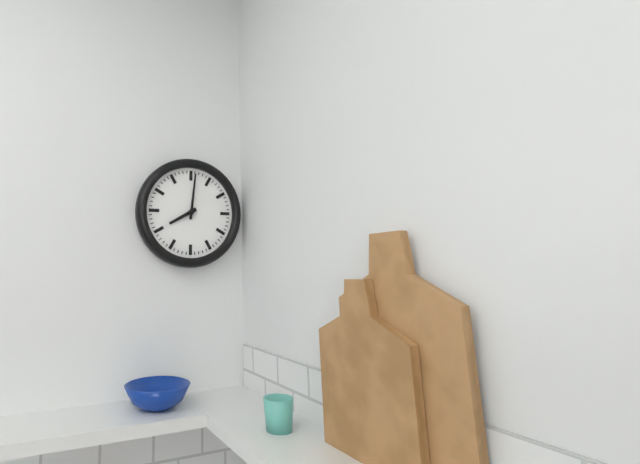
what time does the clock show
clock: 8:01
